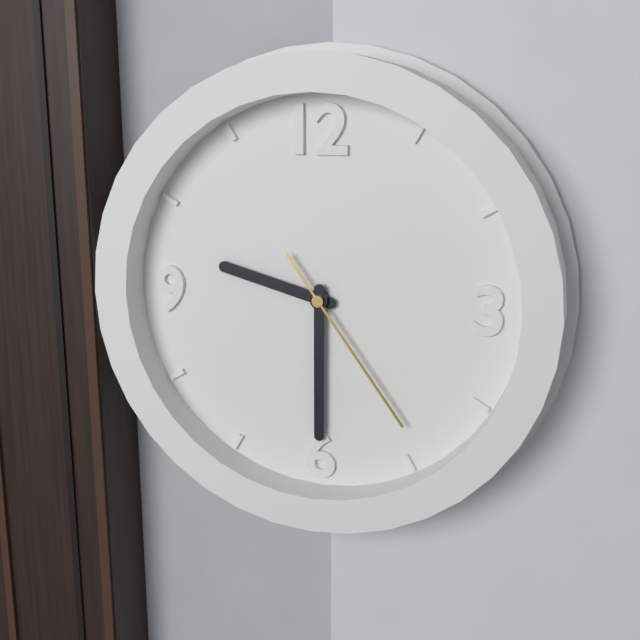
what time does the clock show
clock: 9:30:24
